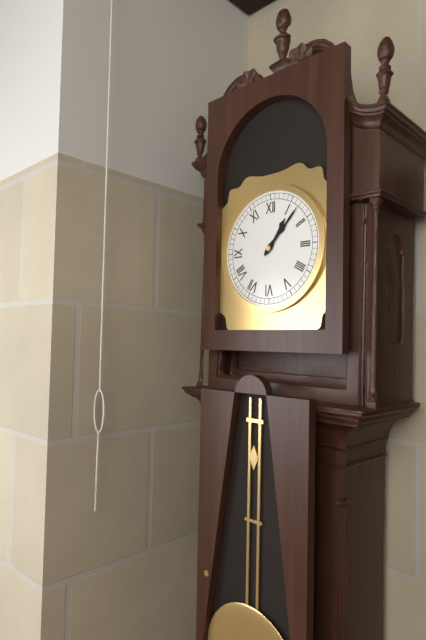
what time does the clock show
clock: 1:07
